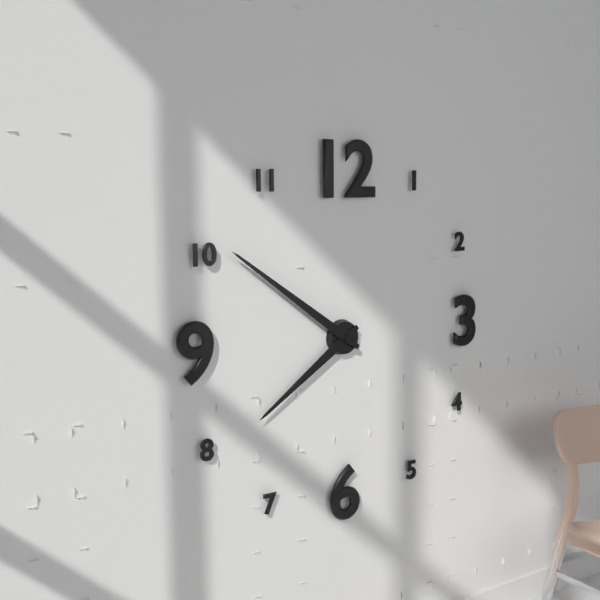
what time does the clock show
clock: 7:51
